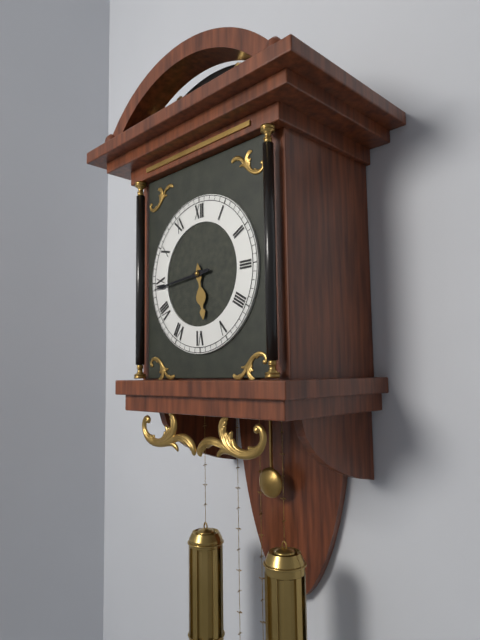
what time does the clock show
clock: 5:44
